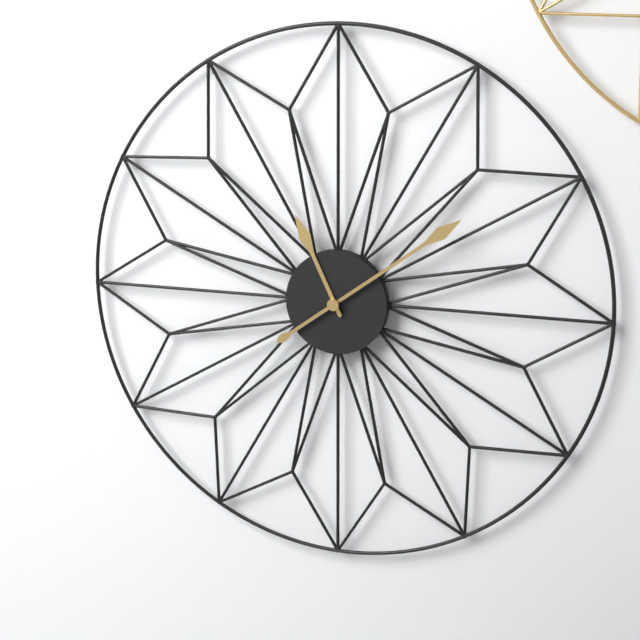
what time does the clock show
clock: 11:09
